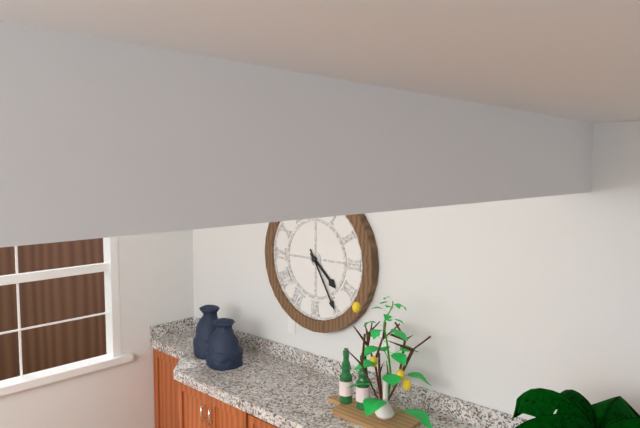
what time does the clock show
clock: 4:25
